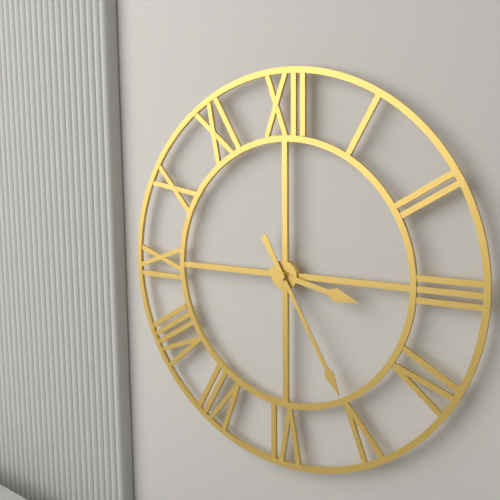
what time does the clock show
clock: 3:25
